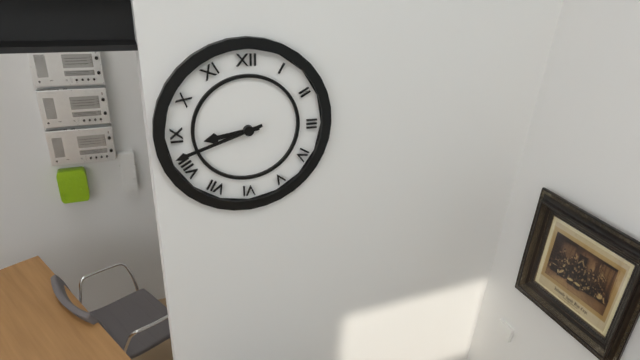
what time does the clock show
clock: 8:42
